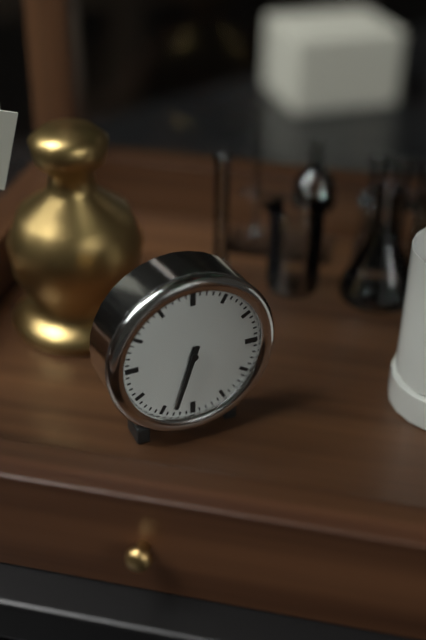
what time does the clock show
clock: 6:33
